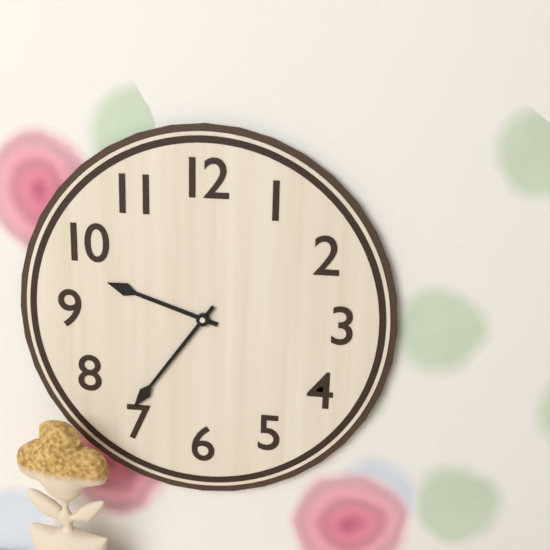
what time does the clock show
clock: 9:36
